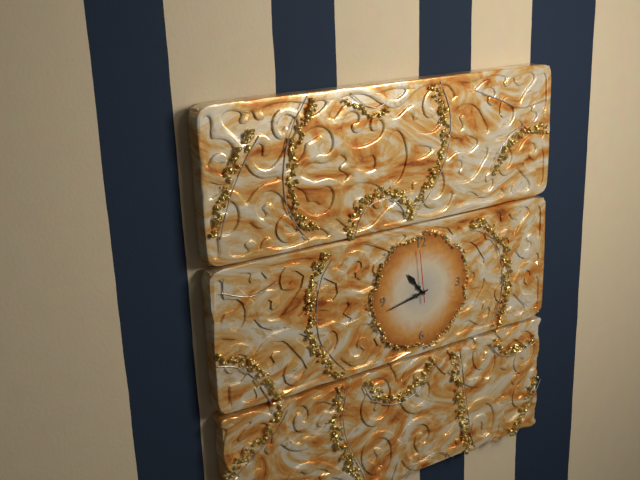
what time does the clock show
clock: 10:43
